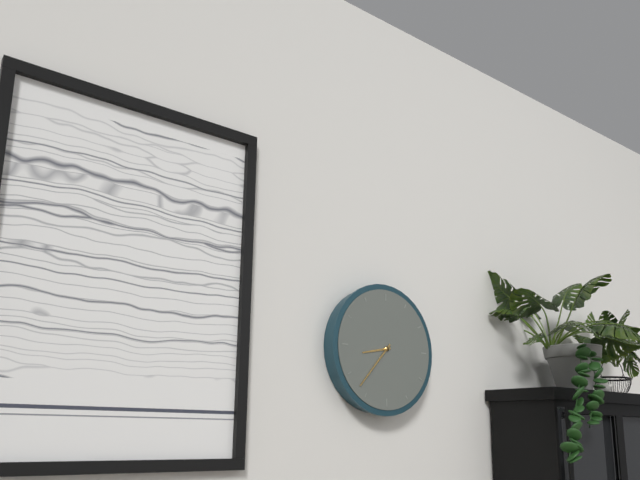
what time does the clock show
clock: 8:37
